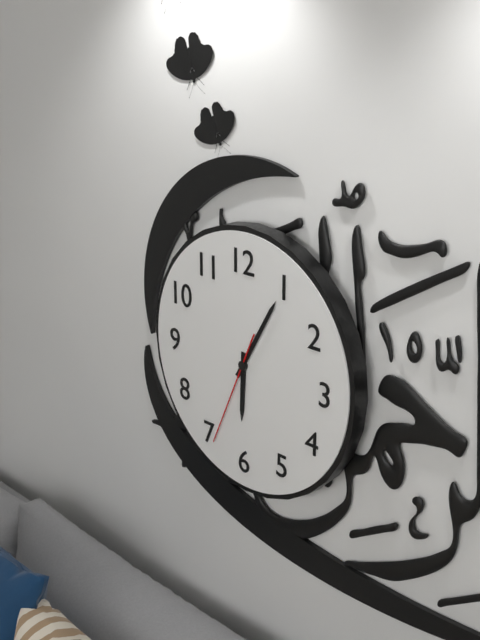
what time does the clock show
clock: 6:05:34
